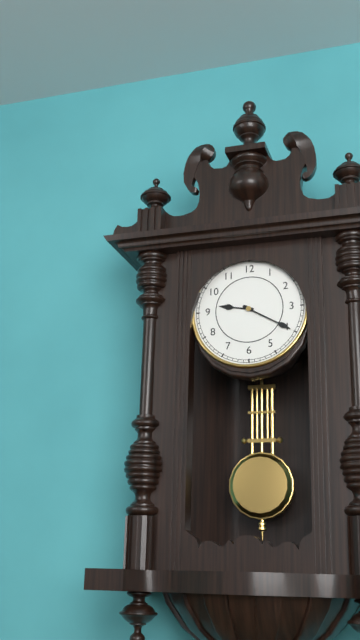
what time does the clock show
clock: 9:20
